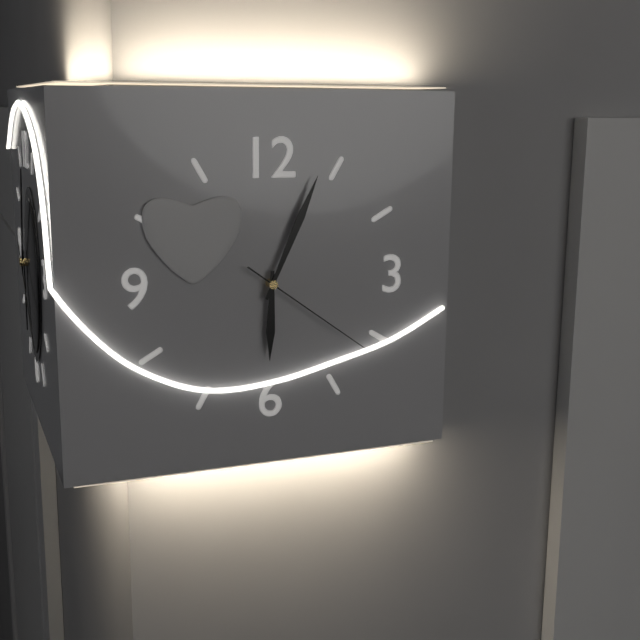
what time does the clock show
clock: 6:04:21
